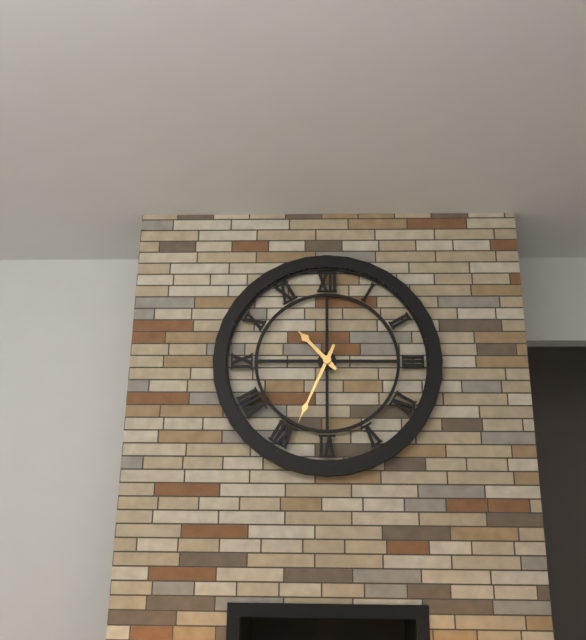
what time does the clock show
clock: 10:34
